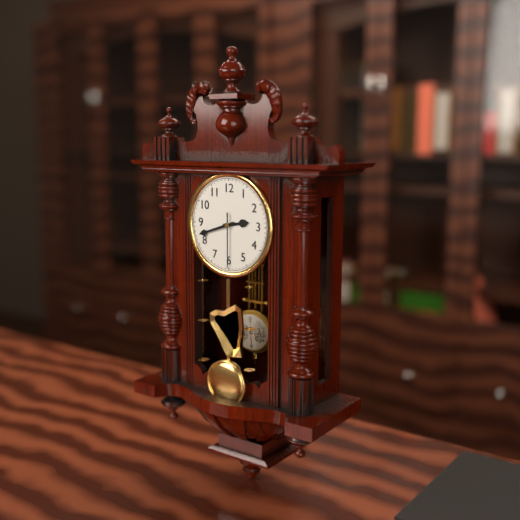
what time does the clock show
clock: 2:42:30
